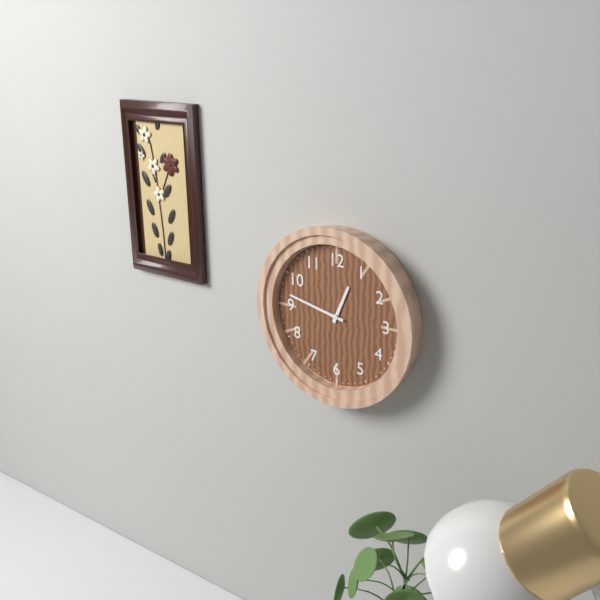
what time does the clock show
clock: 12:47
